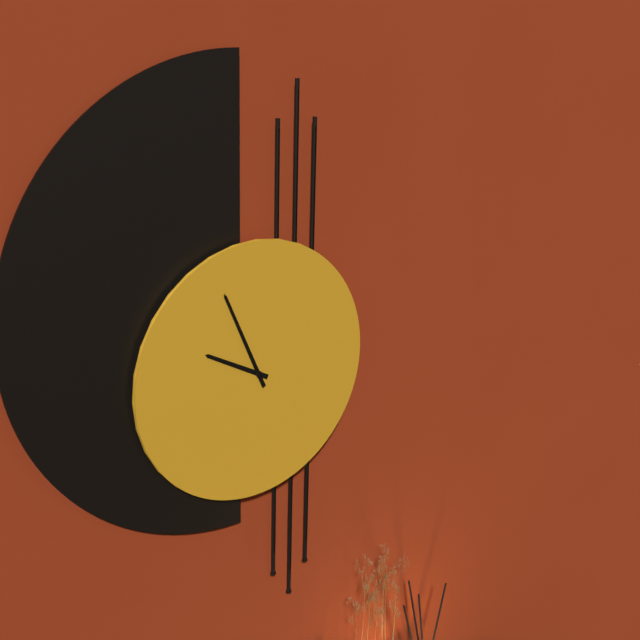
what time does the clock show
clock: 9:56
